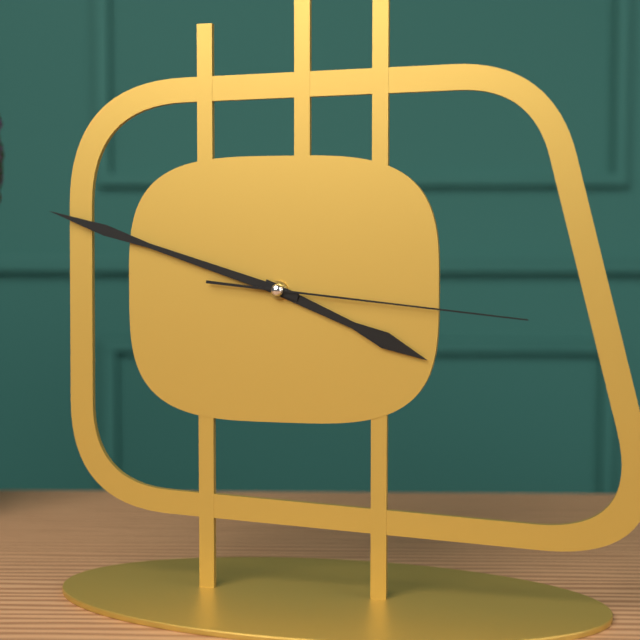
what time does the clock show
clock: 3:48:16
